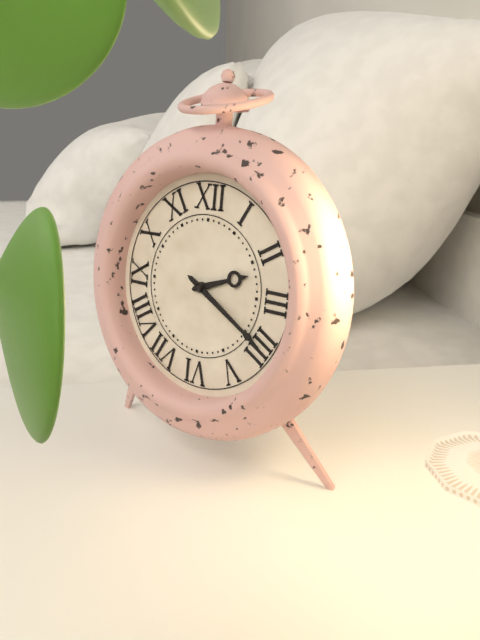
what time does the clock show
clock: 2:20
